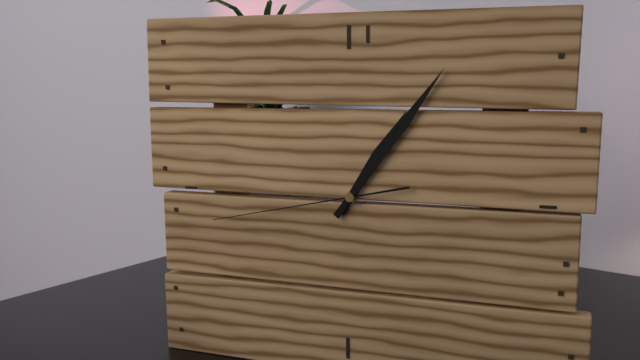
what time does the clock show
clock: 1:06:43
